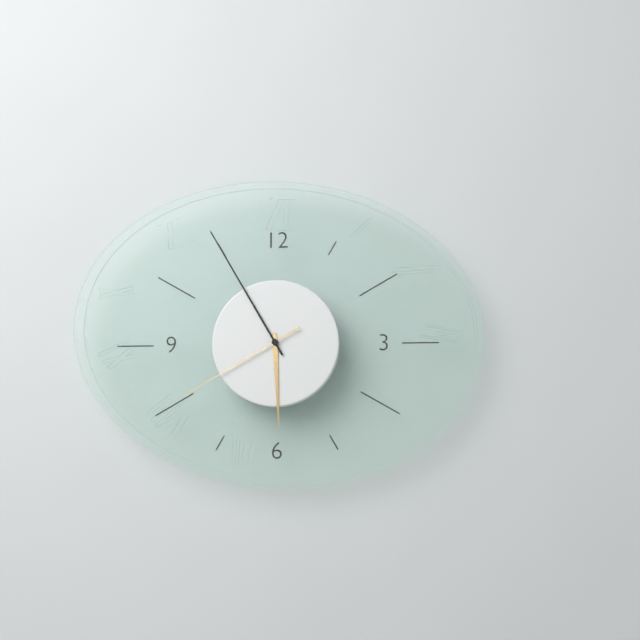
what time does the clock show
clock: 5:55:40
